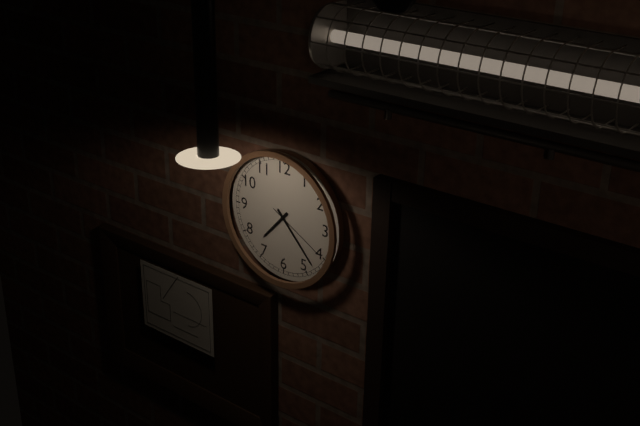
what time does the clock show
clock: 7:23:20
